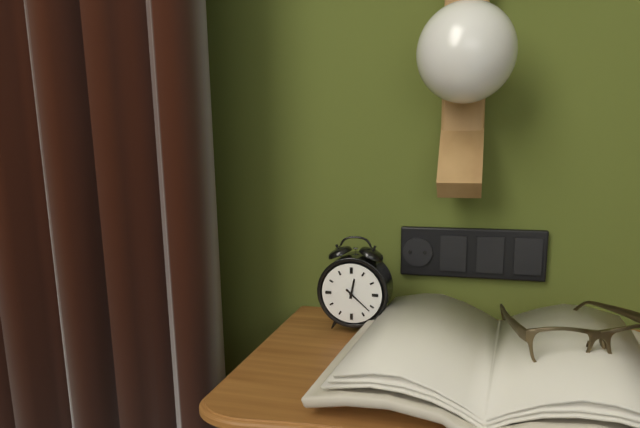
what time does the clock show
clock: 12:22
